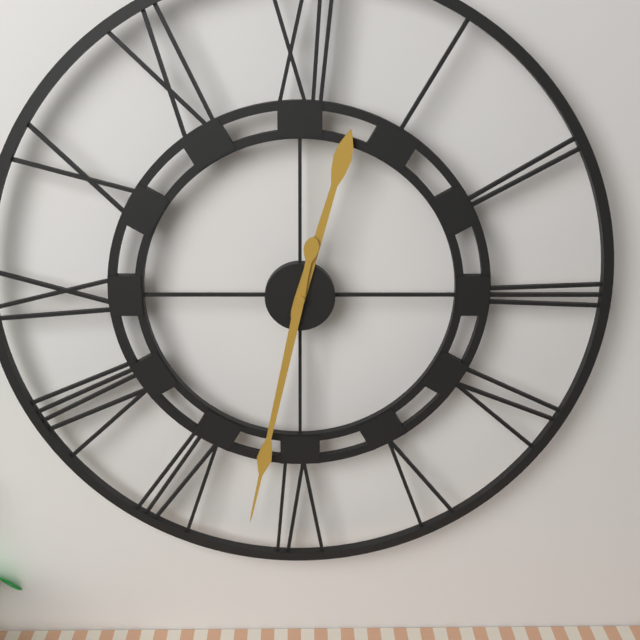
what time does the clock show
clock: 12:32
